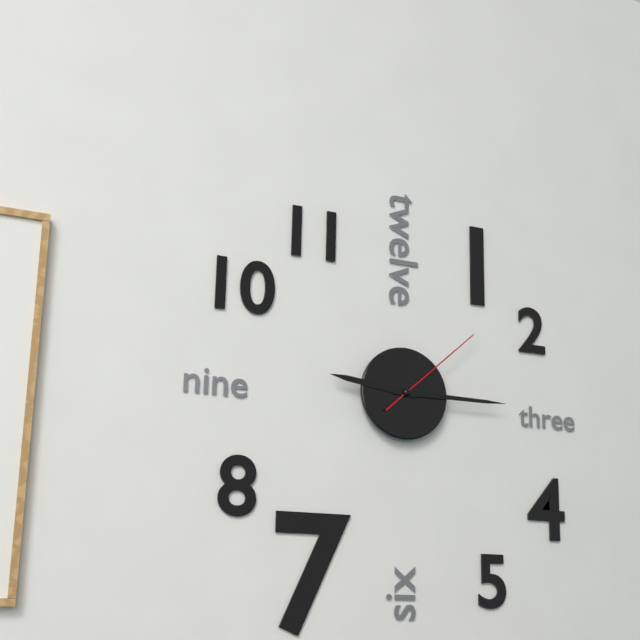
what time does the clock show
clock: 9:15:08
